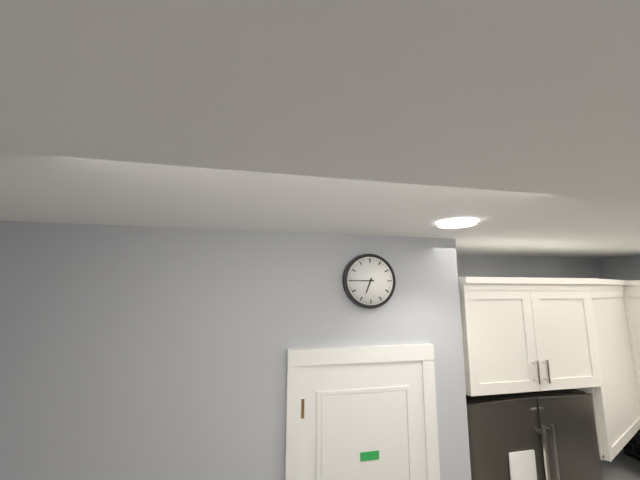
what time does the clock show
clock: 6:45
